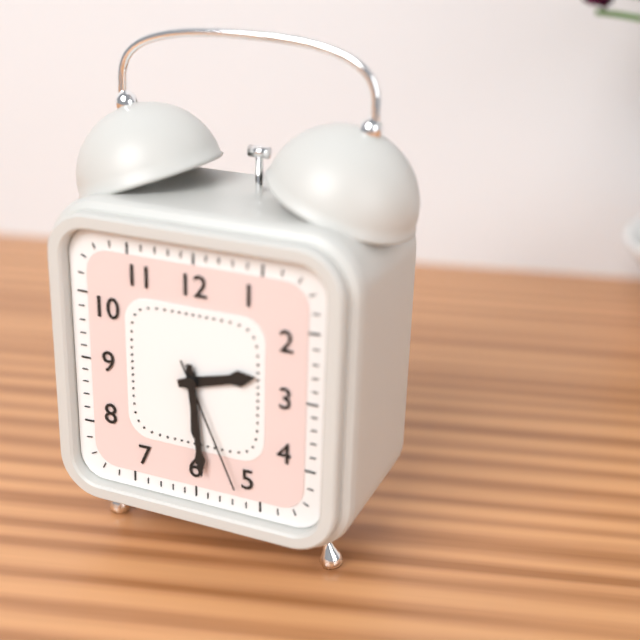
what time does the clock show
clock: 2:29:26
